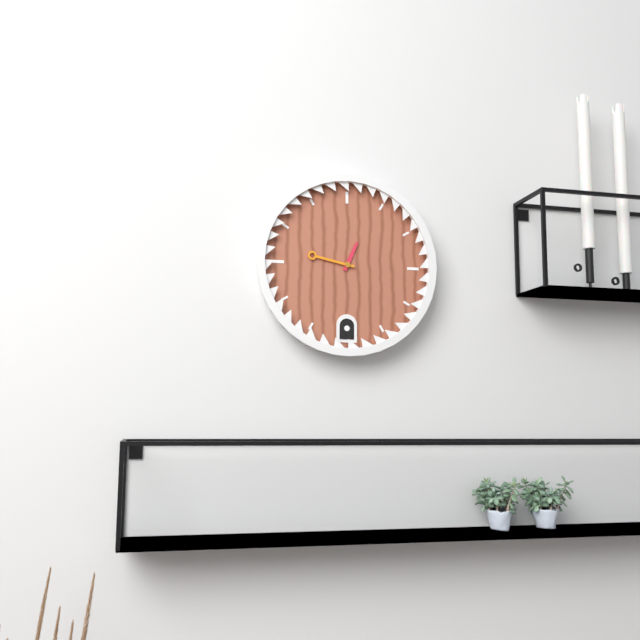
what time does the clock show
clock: 12:47
